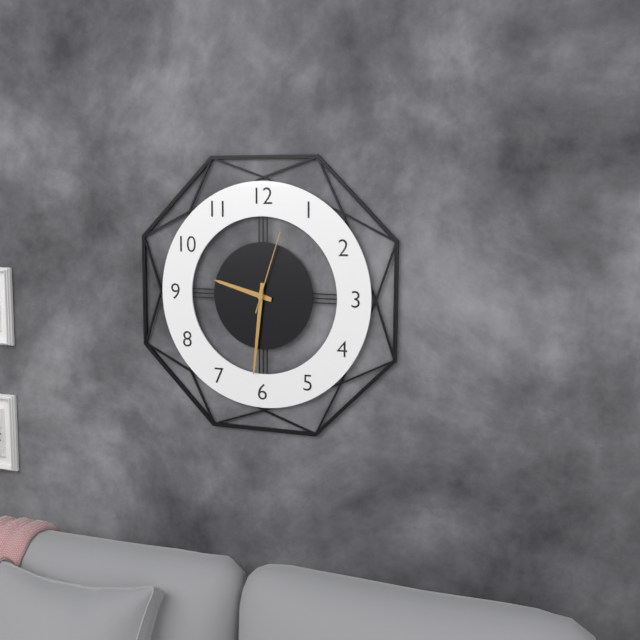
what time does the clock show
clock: 9:31:03
